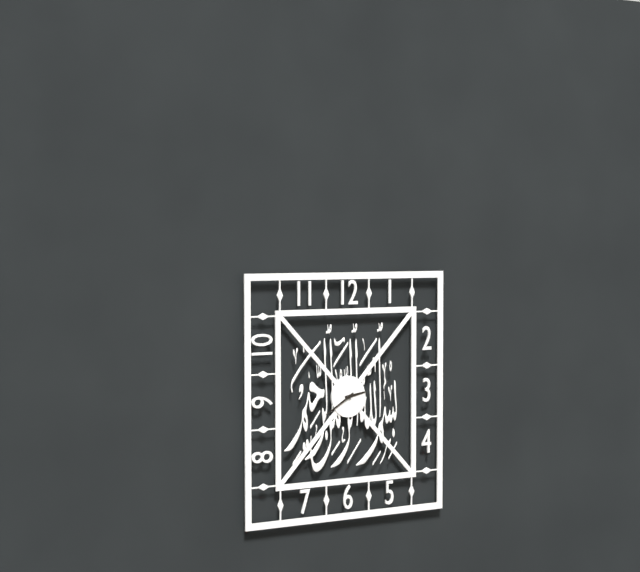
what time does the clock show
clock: 2:40
